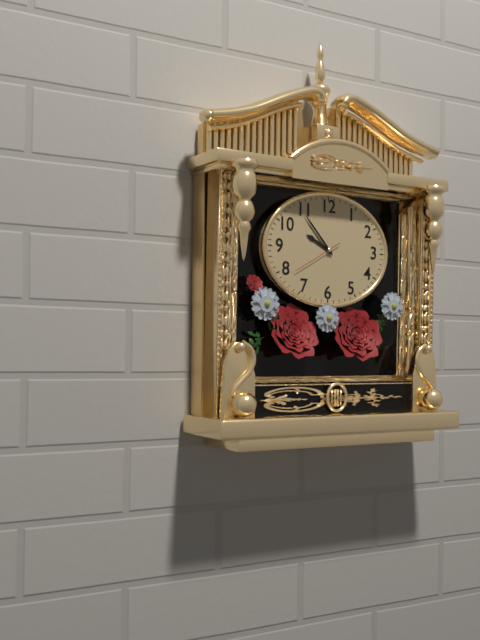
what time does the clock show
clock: 9:53
